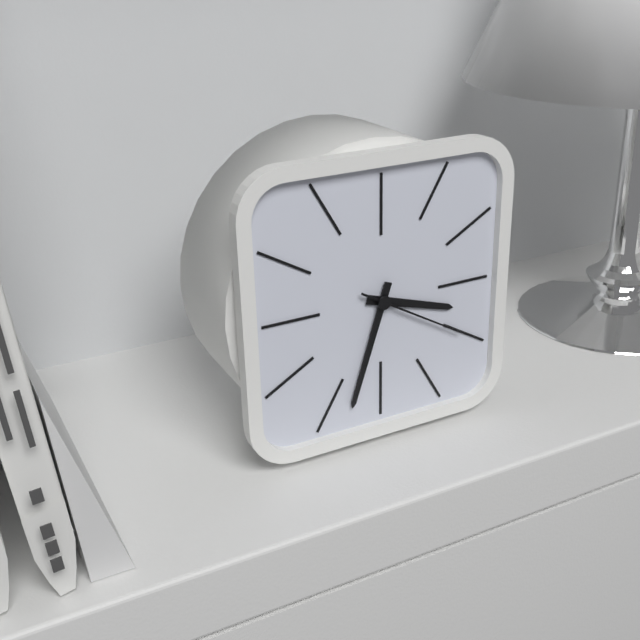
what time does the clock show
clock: 3:33:20
